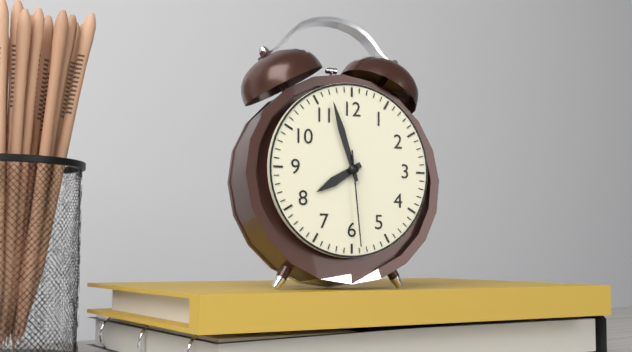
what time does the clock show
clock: 7:57:29
